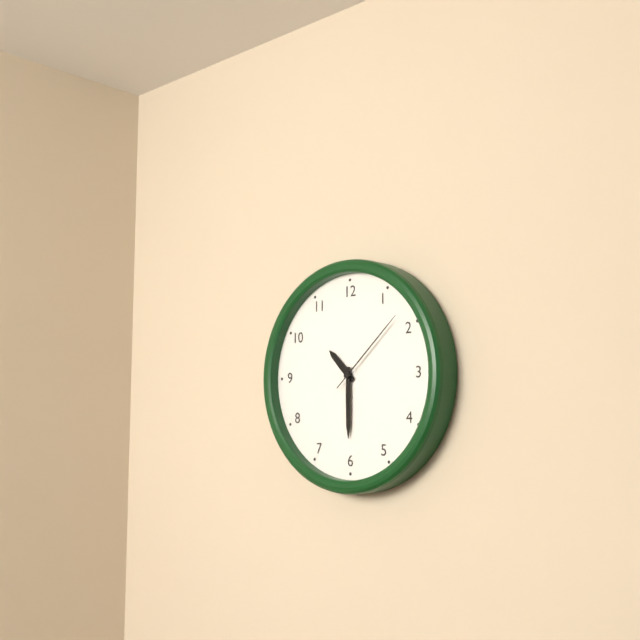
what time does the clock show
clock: 10:30:08
